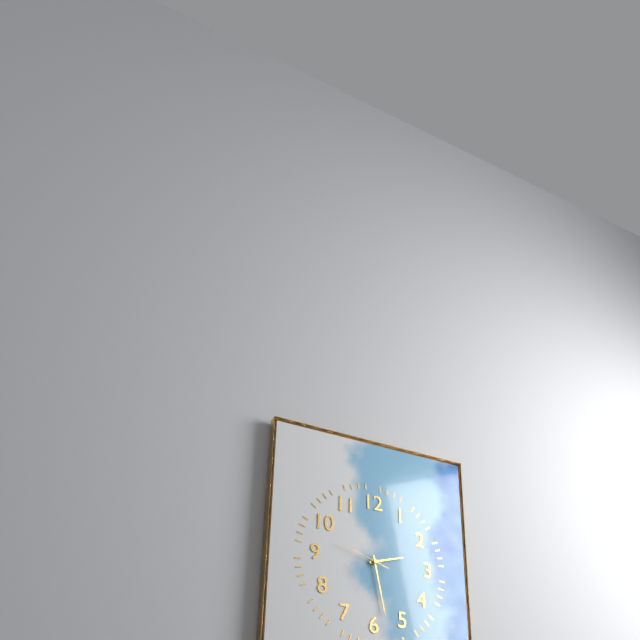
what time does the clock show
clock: 2:28:48
